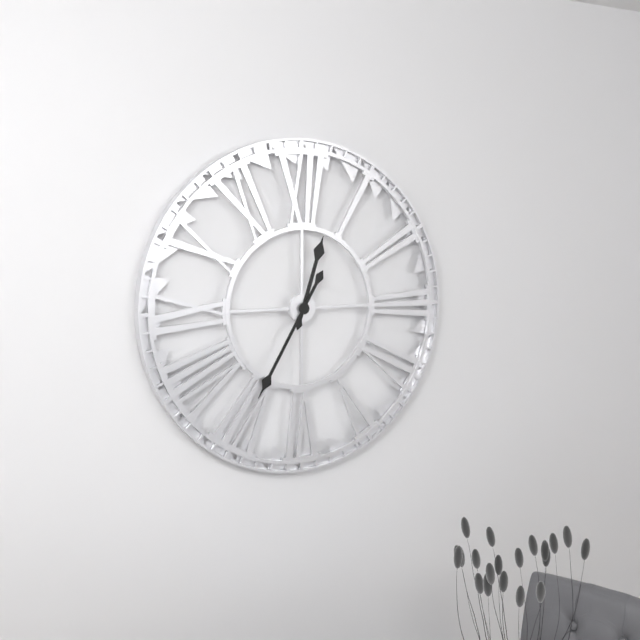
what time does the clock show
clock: 12:35
